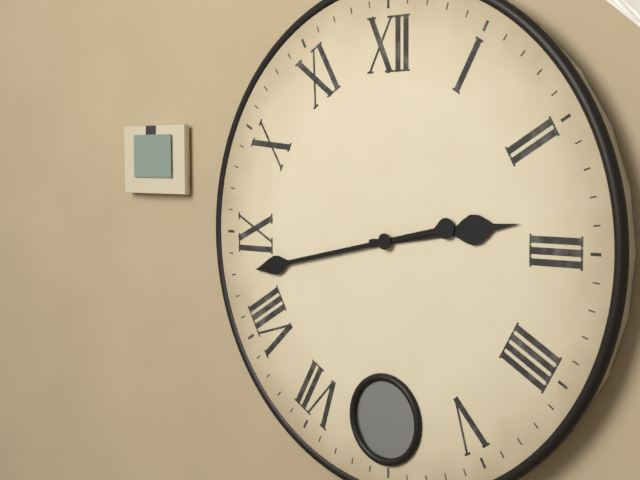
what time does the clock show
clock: 2:43
